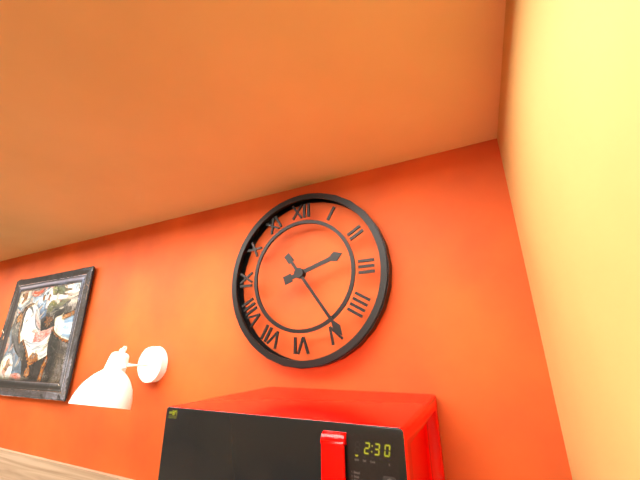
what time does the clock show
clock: 2:24
